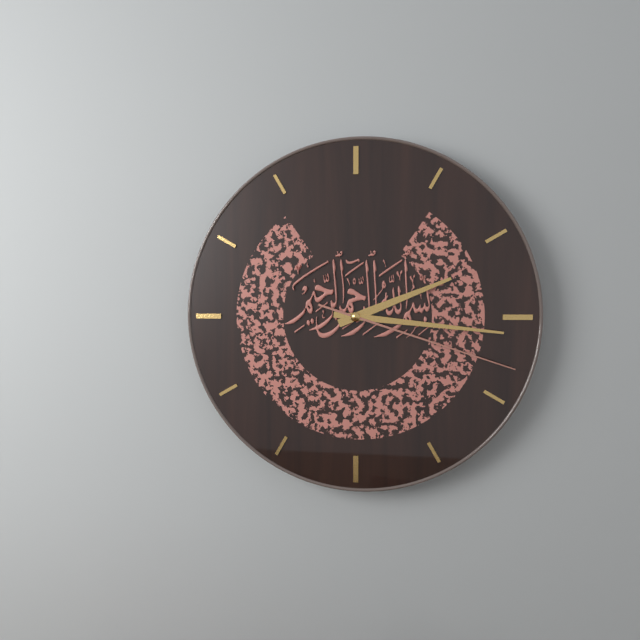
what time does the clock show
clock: 2:16:18
